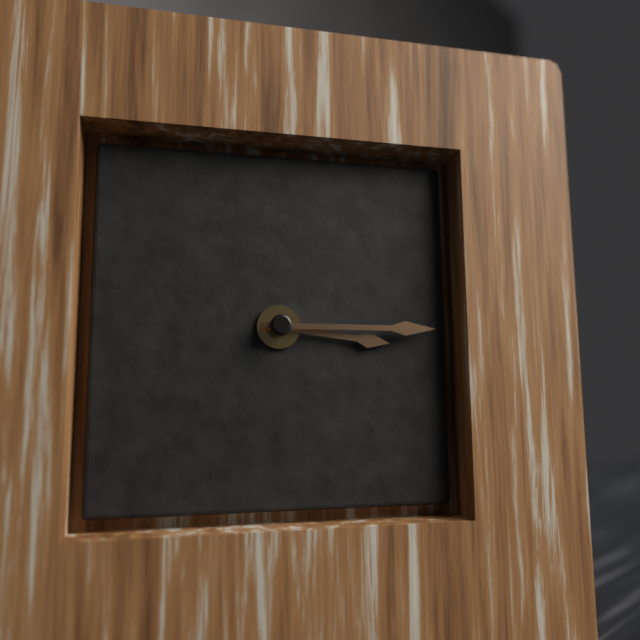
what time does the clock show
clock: 3:15
